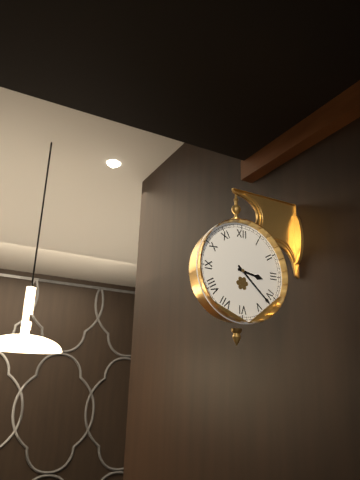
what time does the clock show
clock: 3:22
